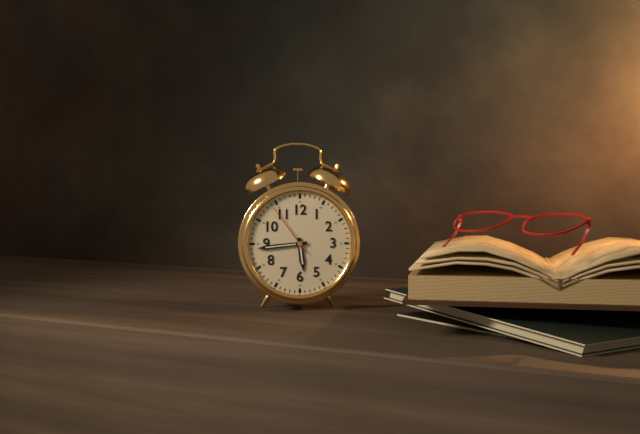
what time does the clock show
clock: 5:44:54
